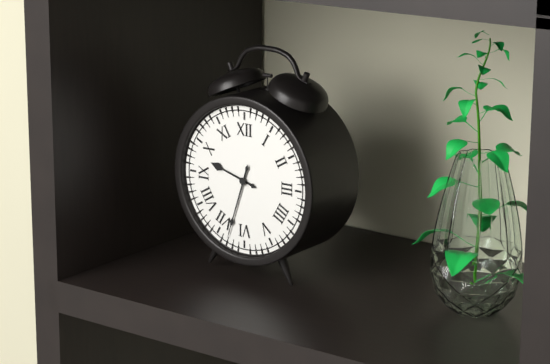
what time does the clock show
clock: 9:33
